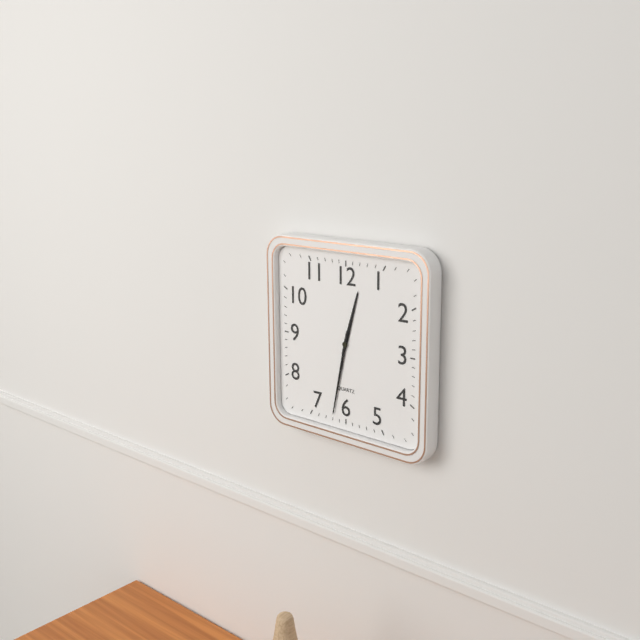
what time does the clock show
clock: 12:32
